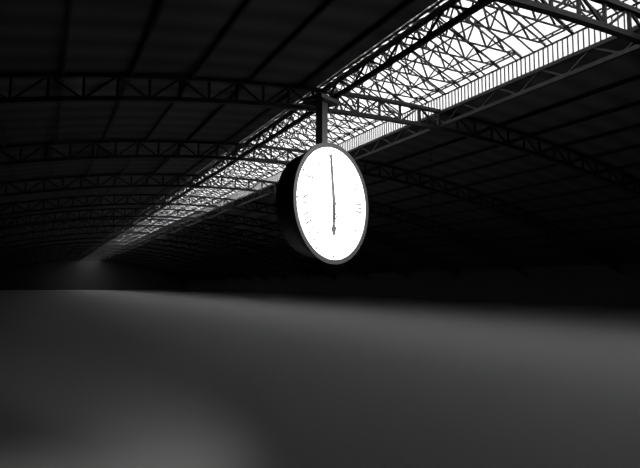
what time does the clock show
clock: 5:59
